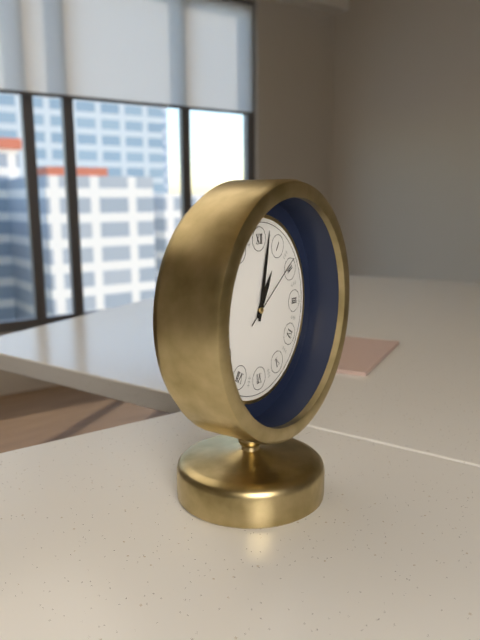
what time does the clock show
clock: 1:02:09
